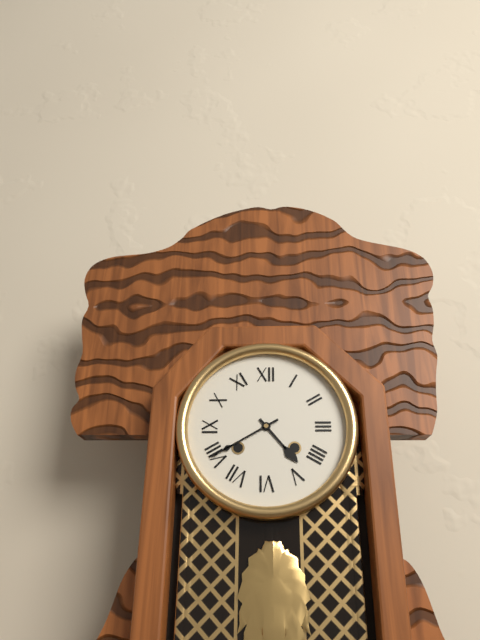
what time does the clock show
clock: 4:40
